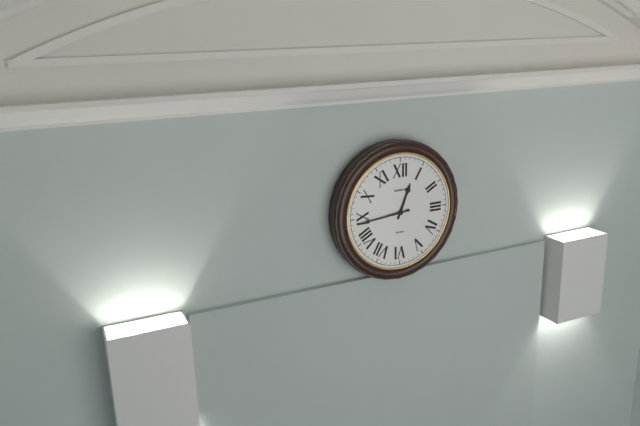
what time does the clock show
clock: 12:44
